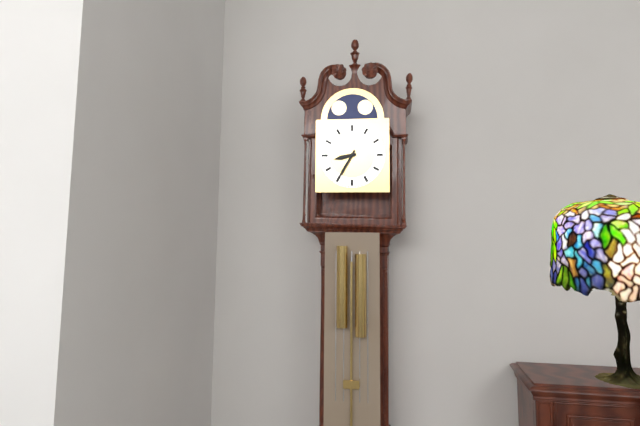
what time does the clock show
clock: 8:35
